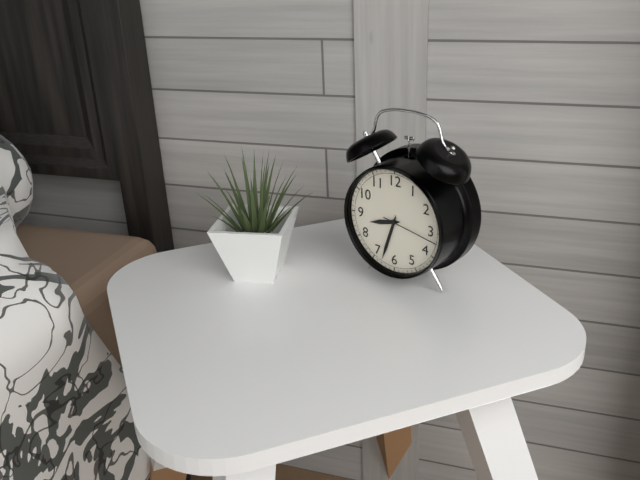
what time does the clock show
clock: 8:33:17
